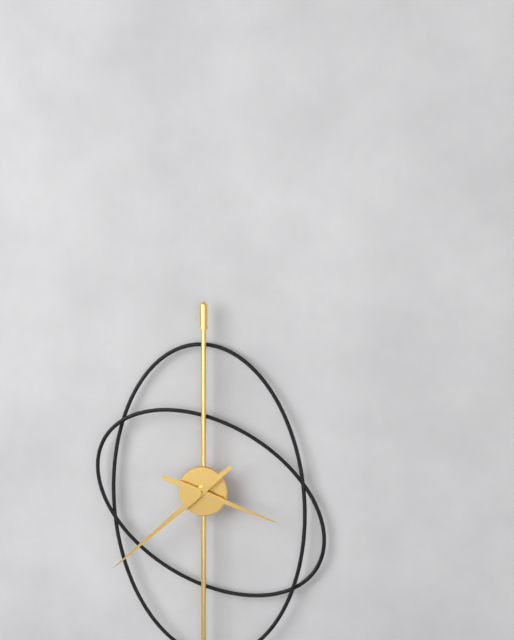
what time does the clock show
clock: 3:38
